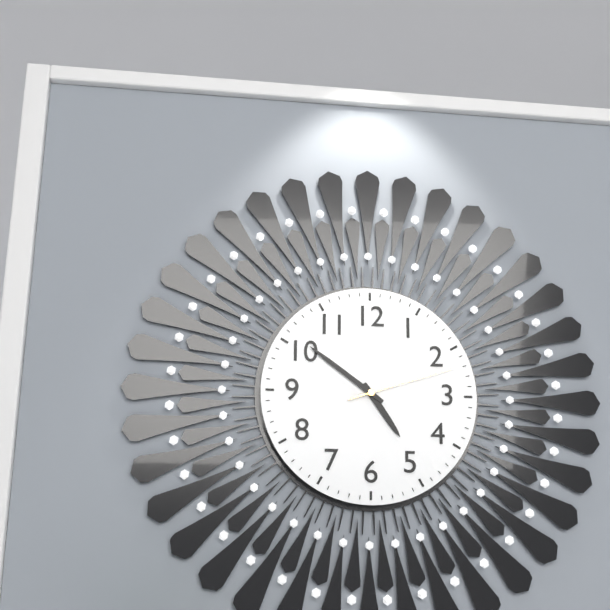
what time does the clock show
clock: 4:51:12
